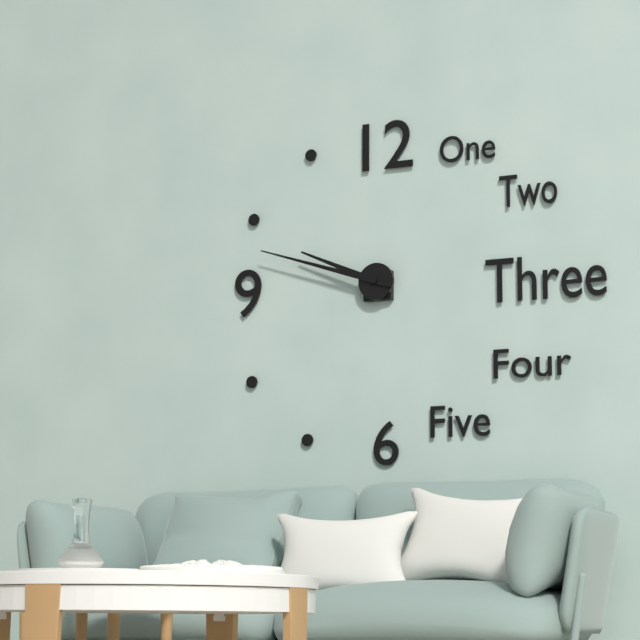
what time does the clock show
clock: 9:48
